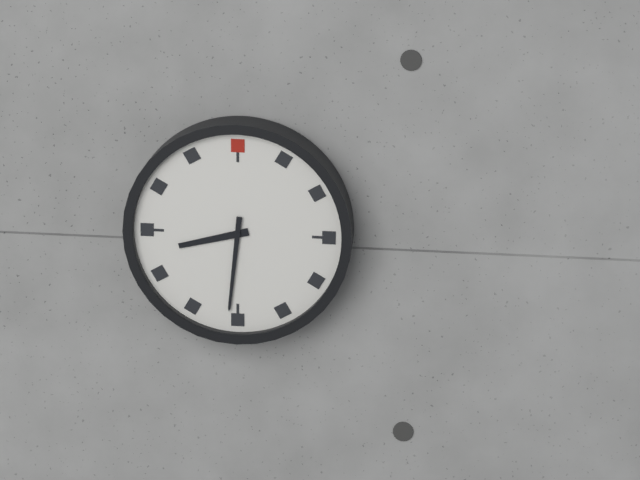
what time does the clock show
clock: 8:31
